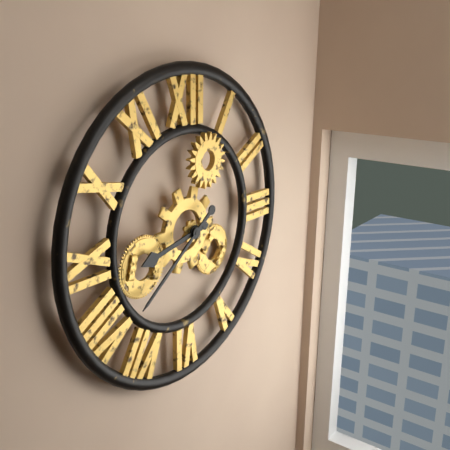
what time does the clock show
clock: 8:39
